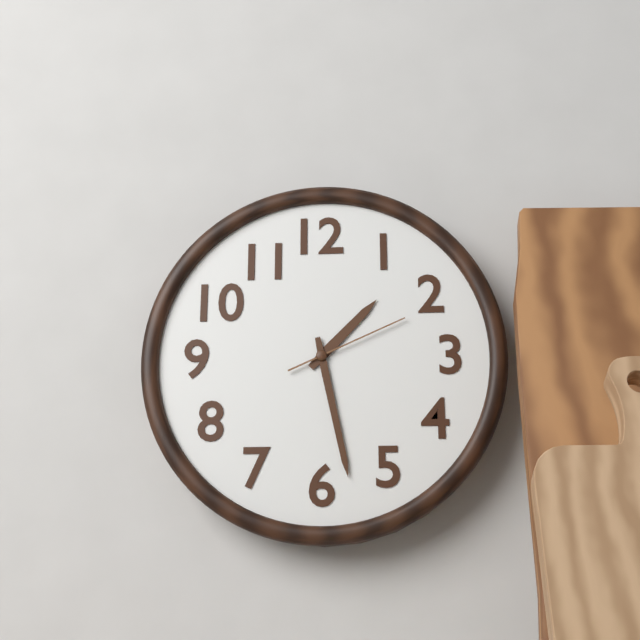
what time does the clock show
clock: 1:28:11
